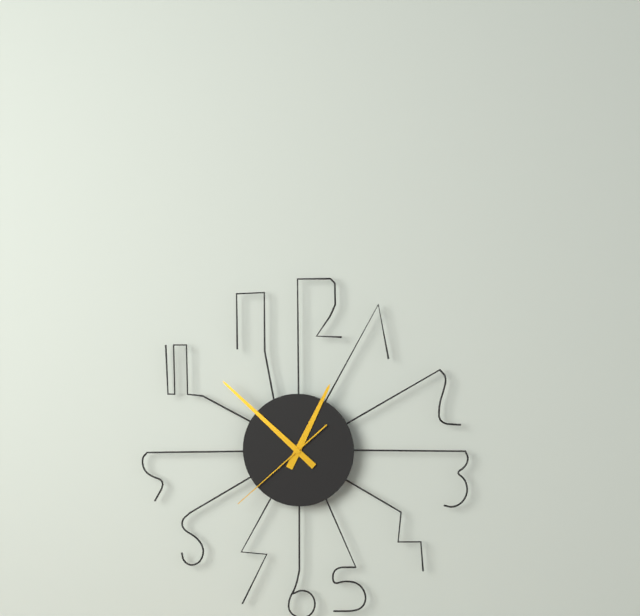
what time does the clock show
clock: 12:52:38
